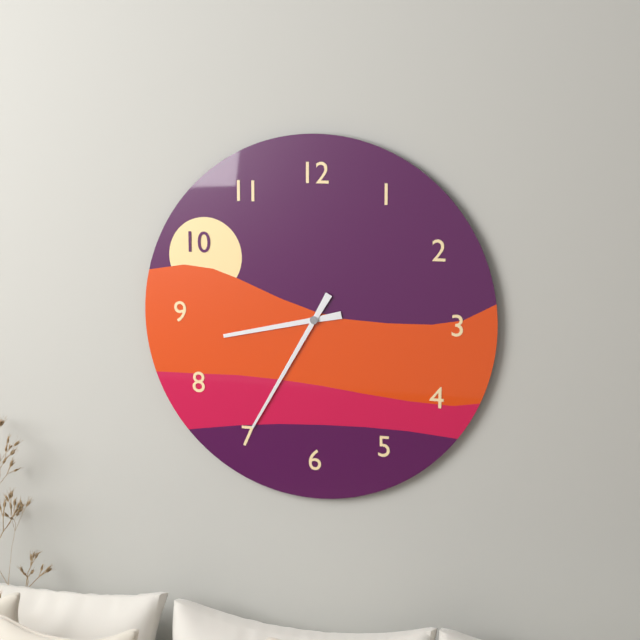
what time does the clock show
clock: 8:35
